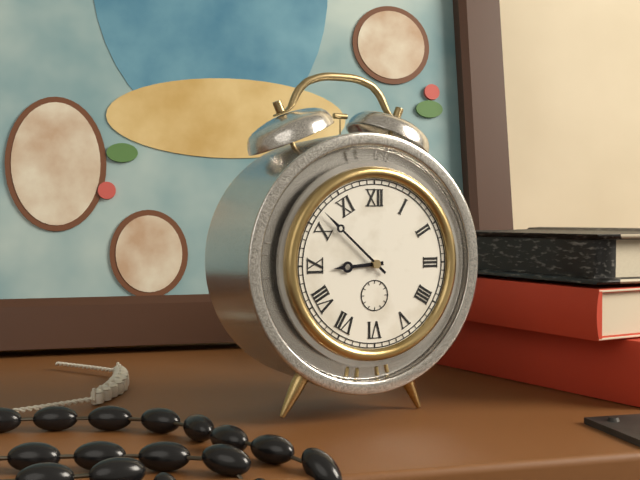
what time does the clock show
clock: 8:52
